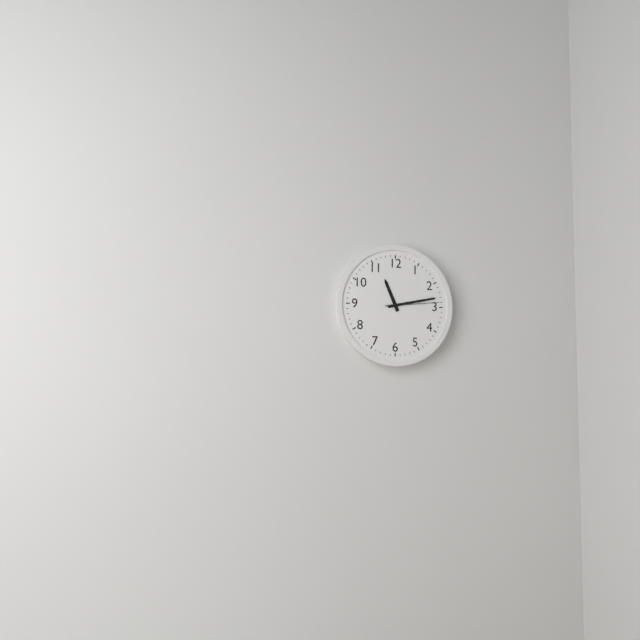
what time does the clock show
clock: 11:13:14
